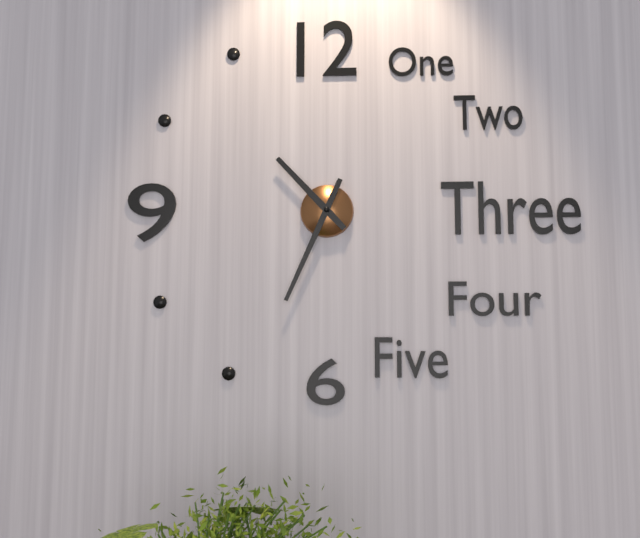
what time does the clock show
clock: 10:34
